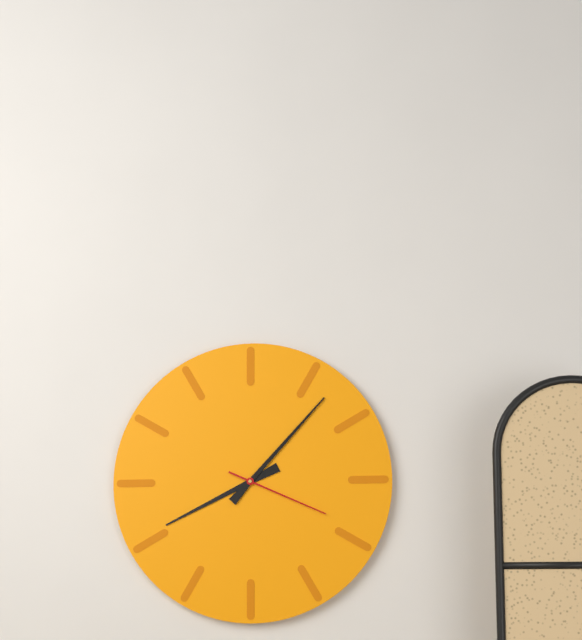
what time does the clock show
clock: 8:07:19
